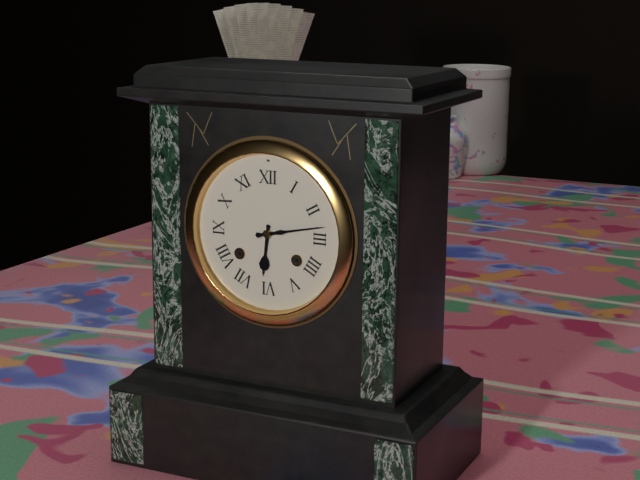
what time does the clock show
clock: 6:13
